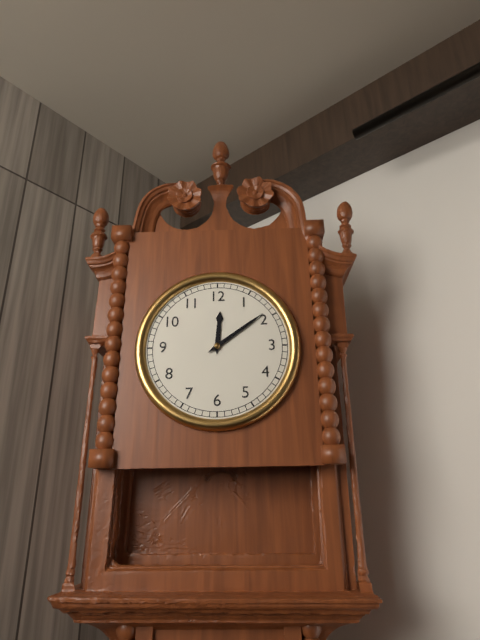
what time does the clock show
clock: 12:09
